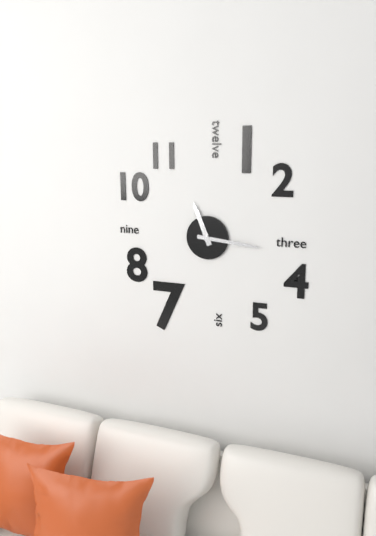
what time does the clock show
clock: 11:16
